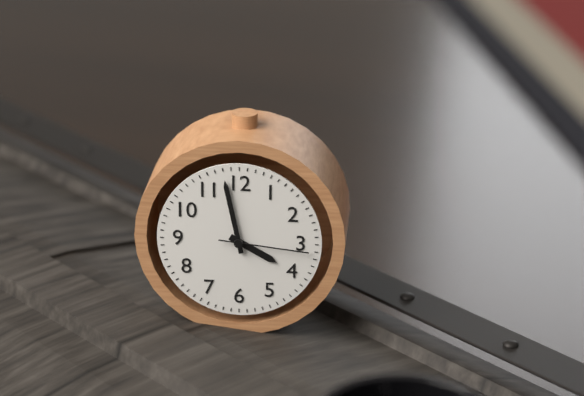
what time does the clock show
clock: 3:58:16
